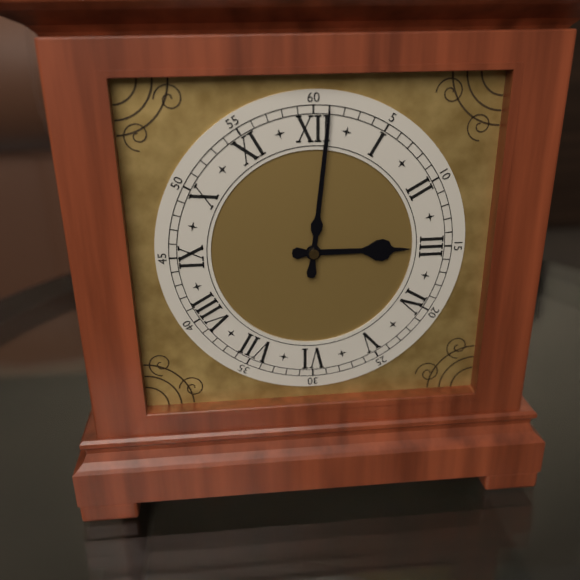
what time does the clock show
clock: 3:01
